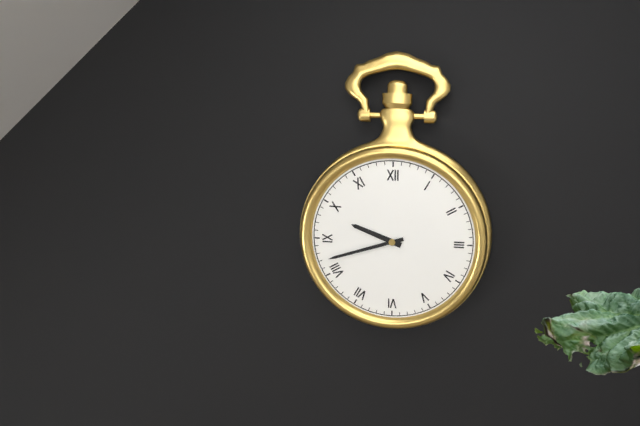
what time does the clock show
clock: 9:42
